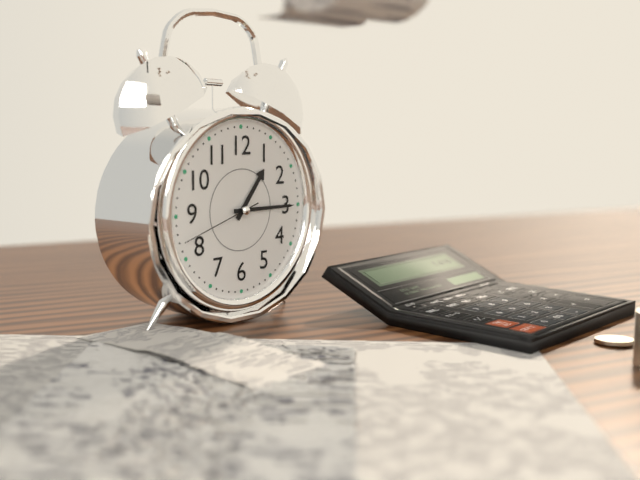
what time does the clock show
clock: 1:15:42
